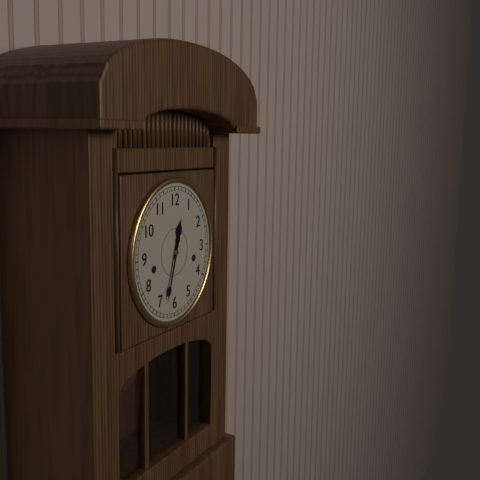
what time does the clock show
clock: 12:33
